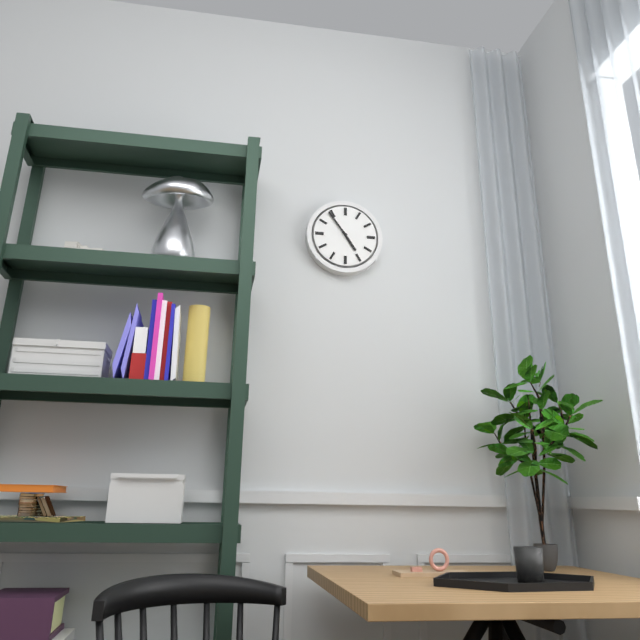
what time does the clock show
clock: 4:54
